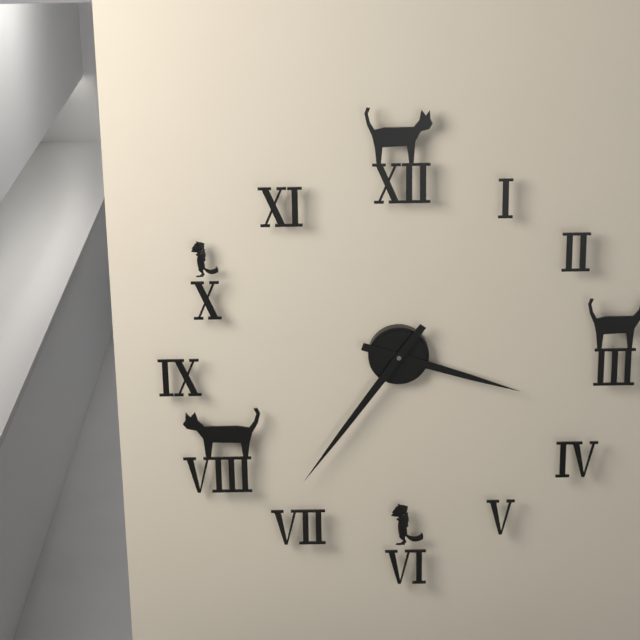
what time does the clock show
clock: 3:36
